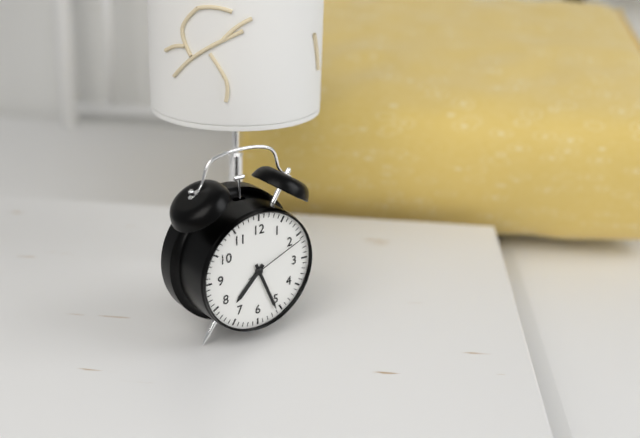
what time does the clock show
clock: 7:26:11
